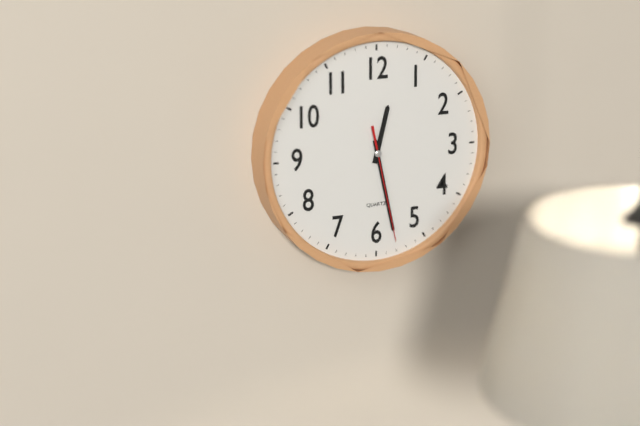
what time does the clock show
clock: 12:28:28
